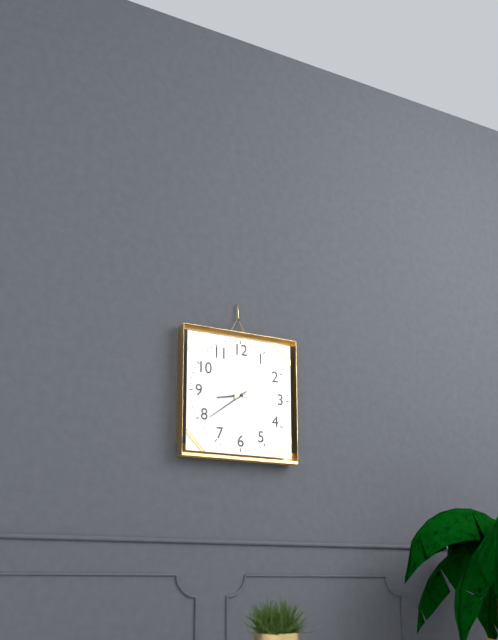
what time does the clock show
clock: 8:39
